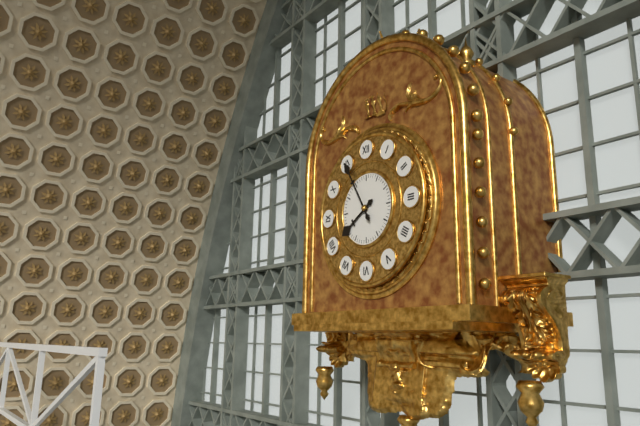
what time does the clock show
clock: 7:55
